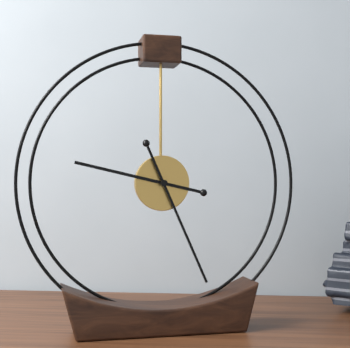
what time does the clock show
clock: 9:26
